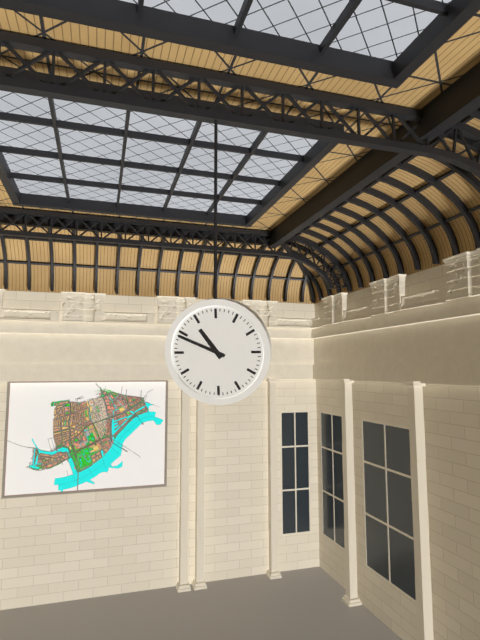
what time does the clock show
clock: 10:49
